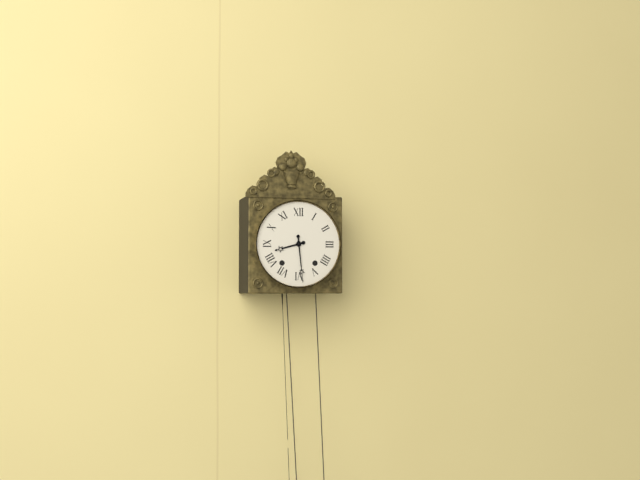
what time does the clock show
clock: 8:29
